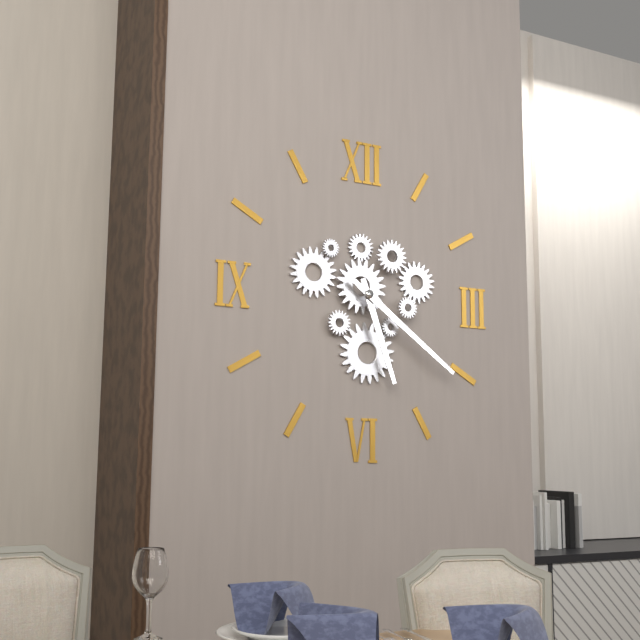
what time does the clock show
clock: 5:21
